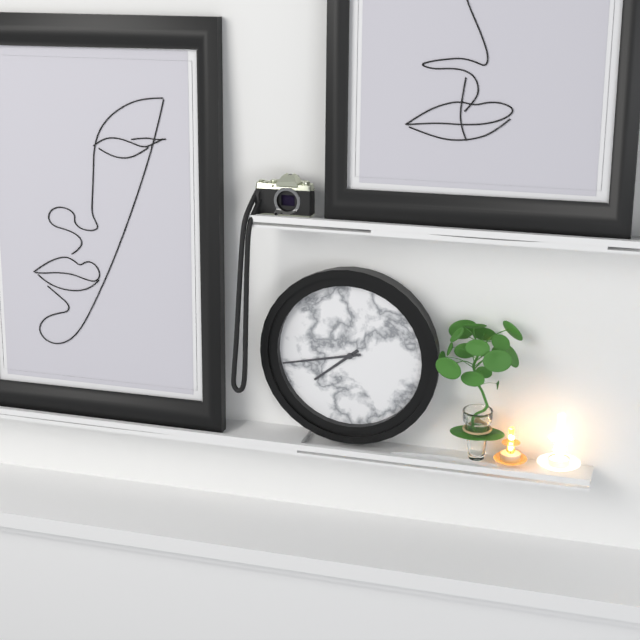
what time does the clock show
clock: 7:43
